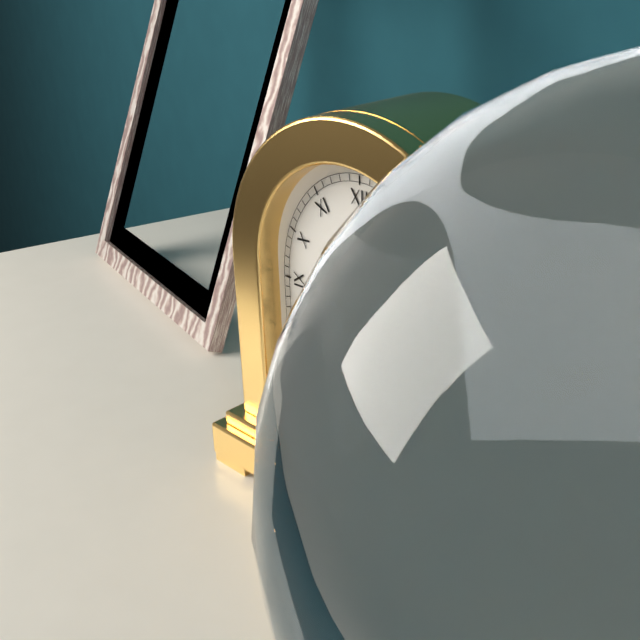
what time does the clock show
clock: 1:36
